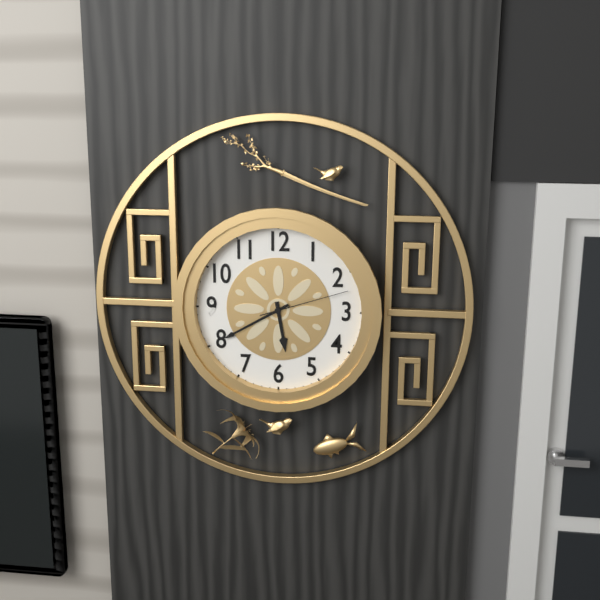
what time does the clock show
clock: 5:40:12
